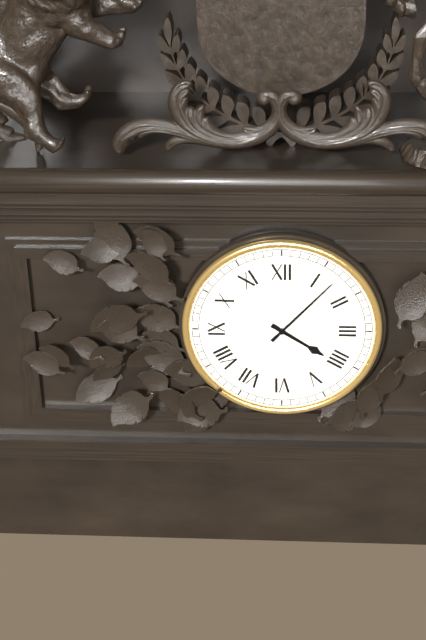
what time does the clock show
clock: 4:07
